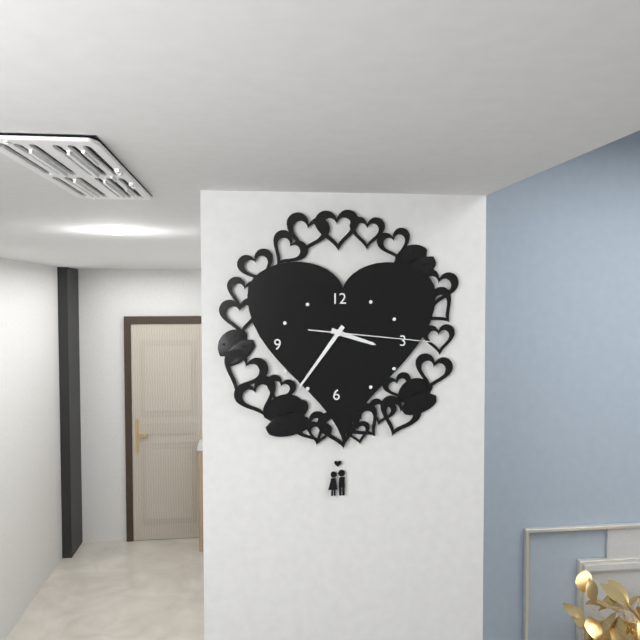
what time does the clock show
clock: 3:36:16
